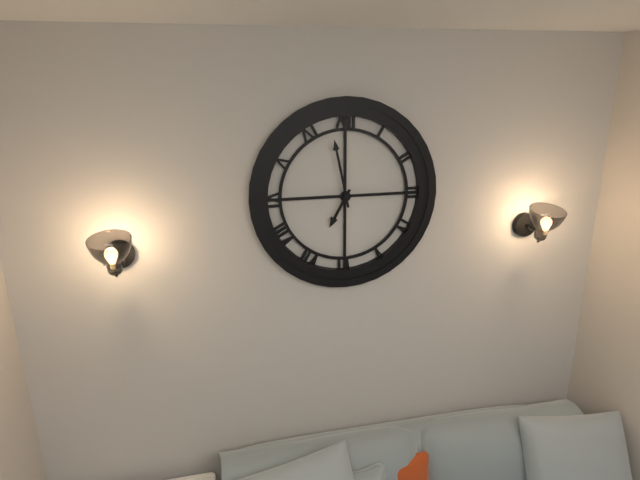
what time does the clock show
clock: 6:58
